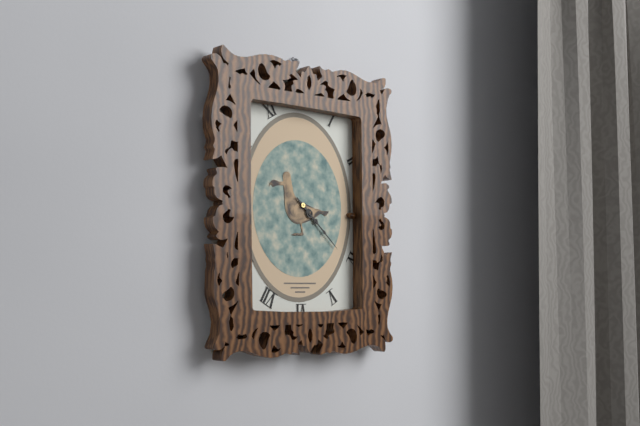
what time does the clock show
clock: 4:22
